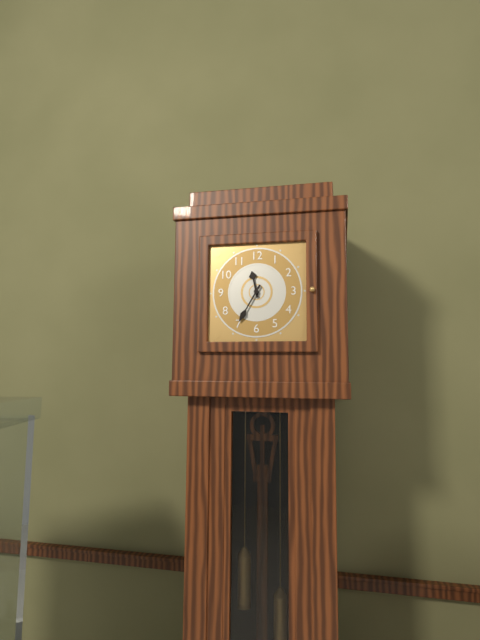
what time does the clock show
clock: 11:35
